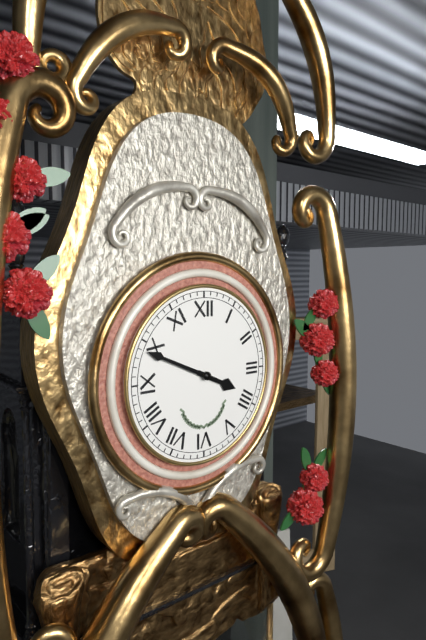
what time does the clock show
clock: 3:49
